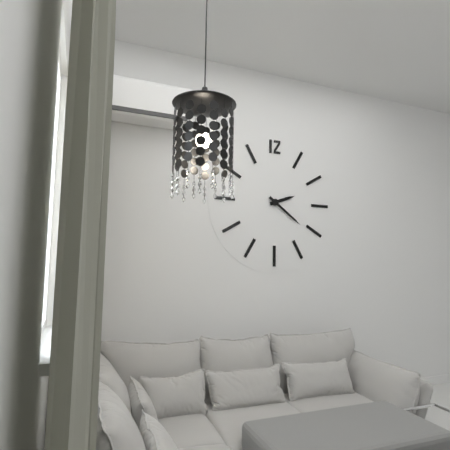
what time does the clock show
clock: 2:21
